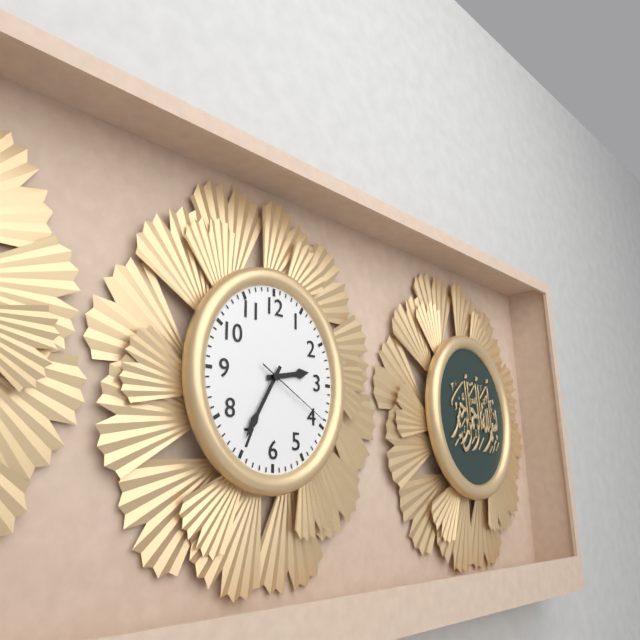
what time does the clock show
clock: 2:35:20
